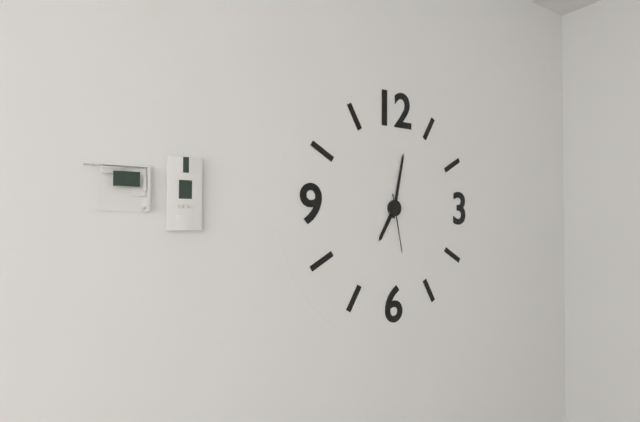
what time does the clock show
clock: 7:02:28
